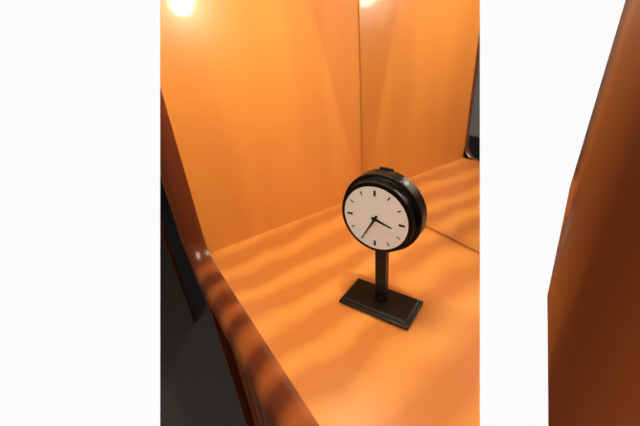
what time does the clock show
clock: 3:35
